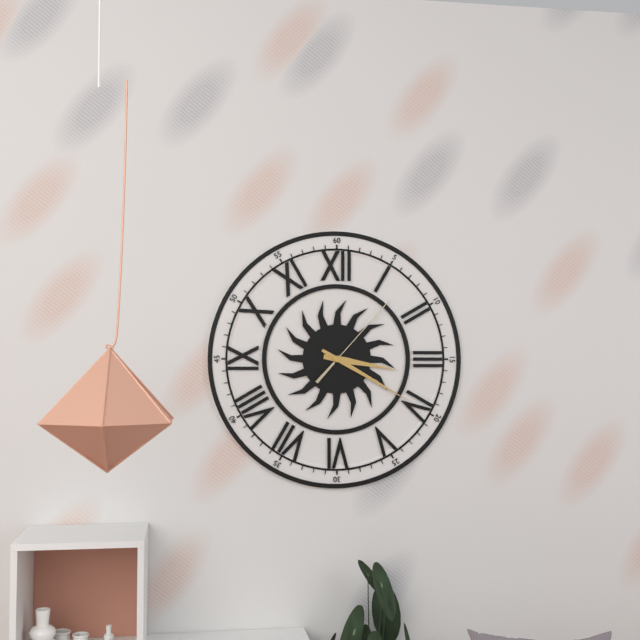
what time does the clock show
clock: 3:20:07
